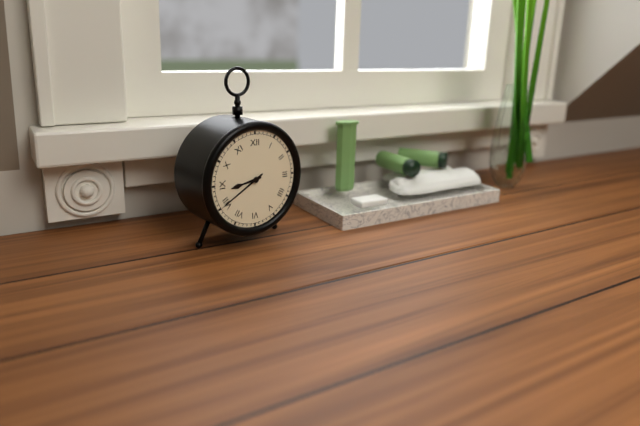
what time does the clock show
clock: 8:40
